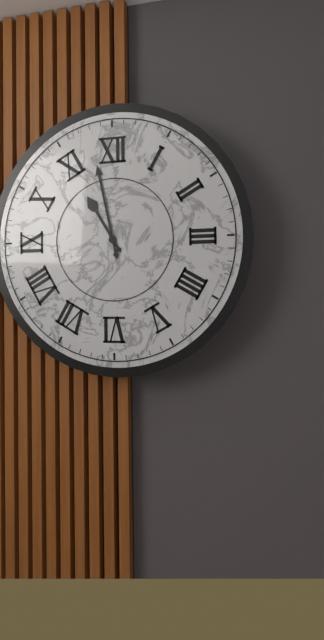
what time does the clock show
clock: 10:58
